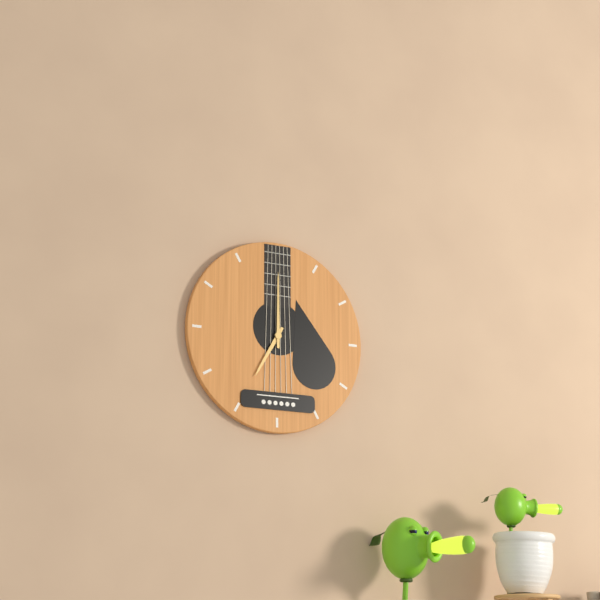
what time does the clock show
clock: 7:00
